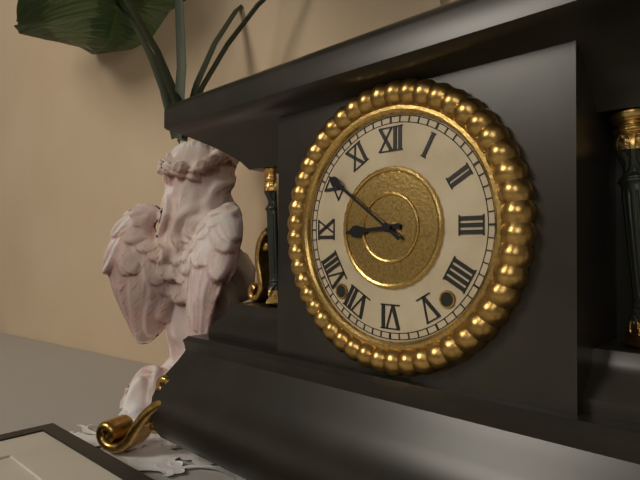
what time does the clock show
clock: 8:51
